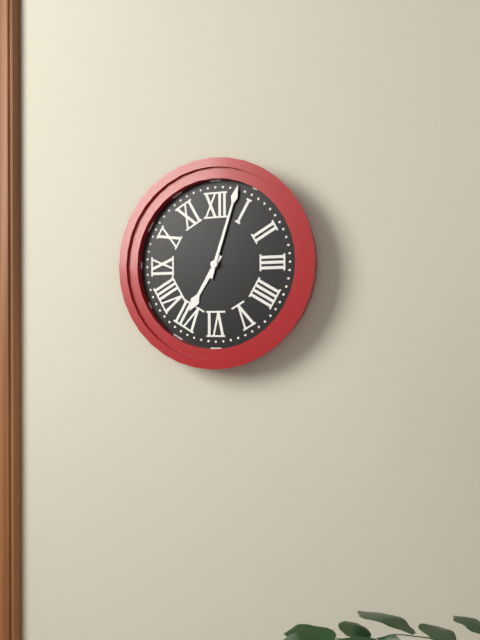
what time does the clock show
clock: 7:03
